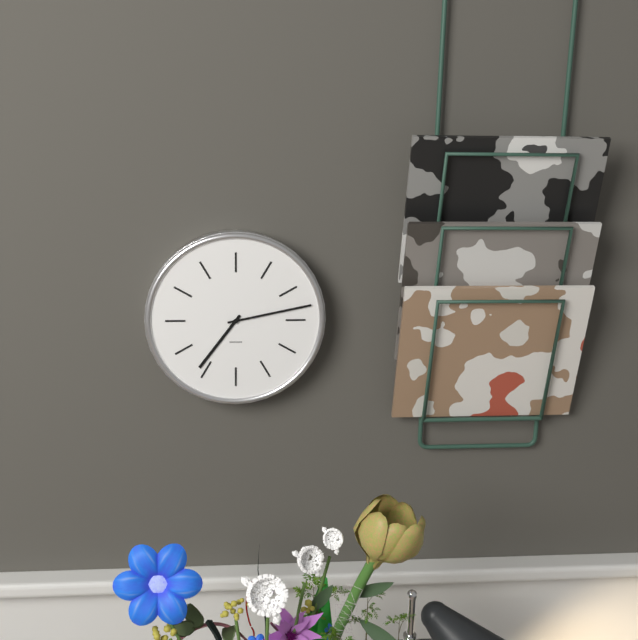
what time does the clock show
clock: 7:13
